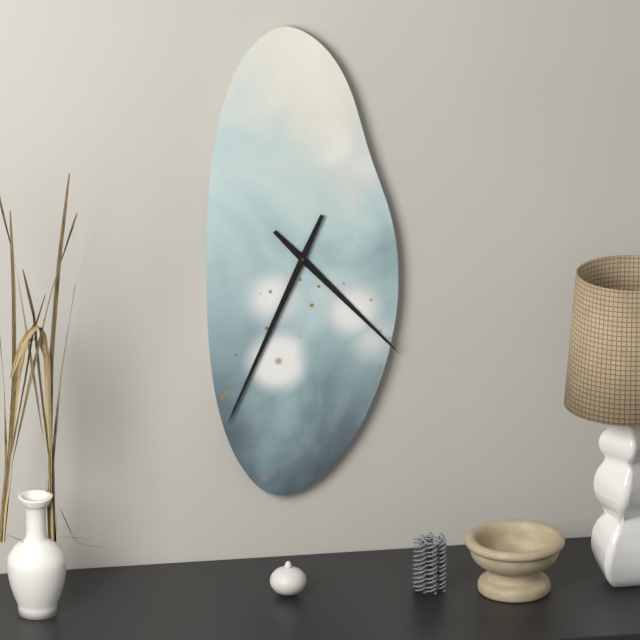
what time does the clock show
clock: 4:34
